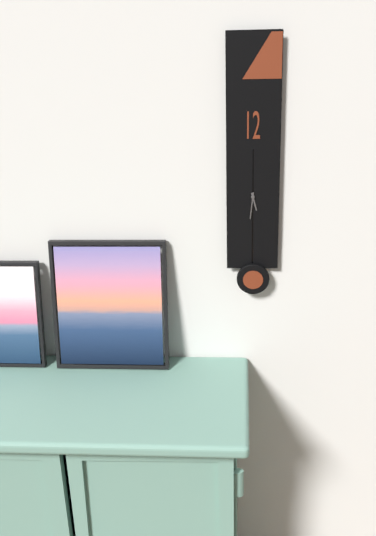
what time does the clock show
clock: 5:31
